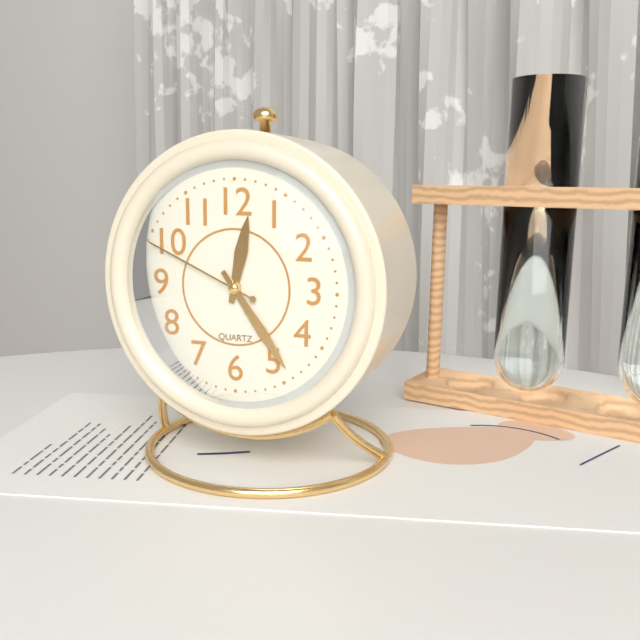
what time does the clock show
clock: 12:24:49
